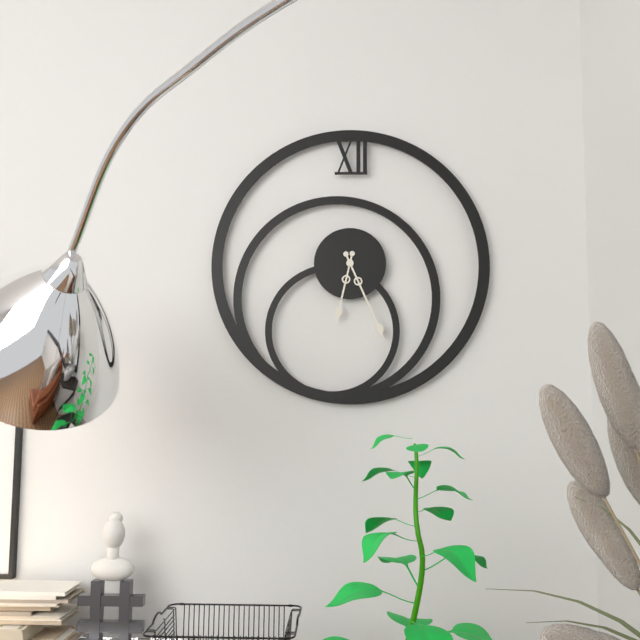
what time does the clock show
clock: 6:26
